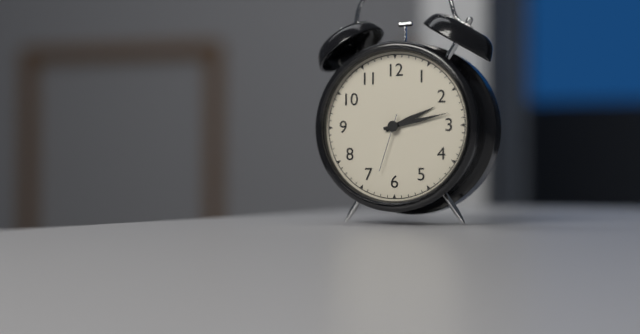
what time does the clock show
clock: 2:13:33
